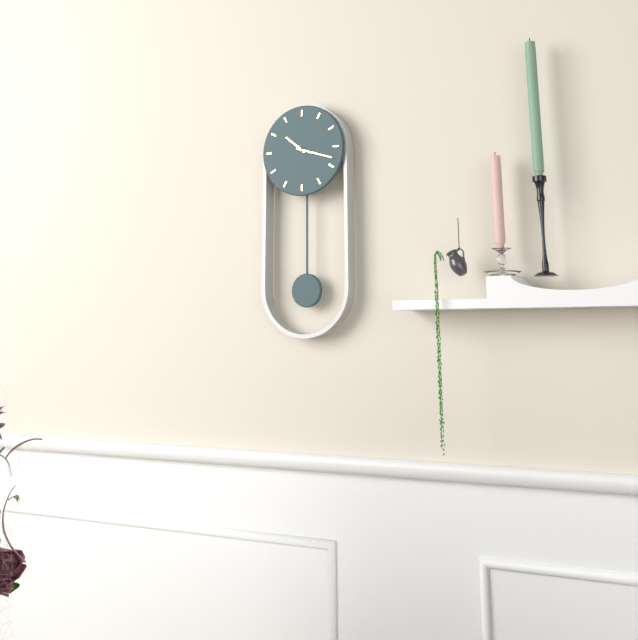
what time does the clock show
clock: 10:18
